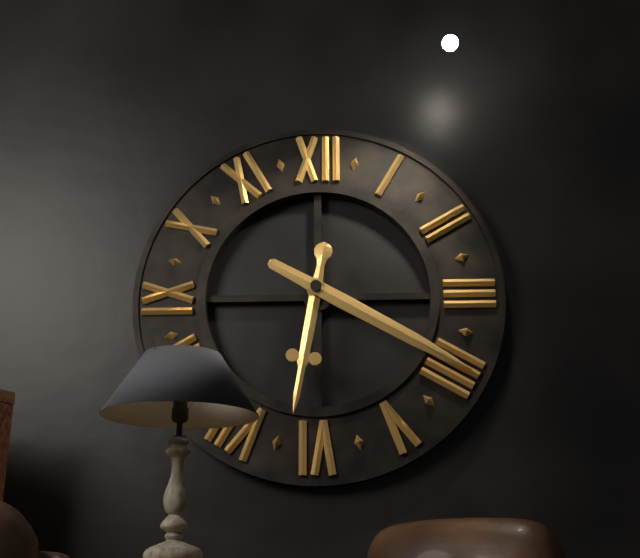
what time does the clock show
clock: 6:20
